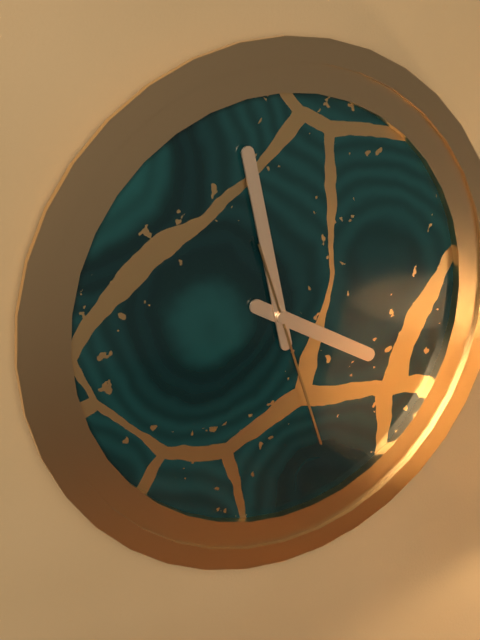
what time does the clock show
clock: 3:58:27
